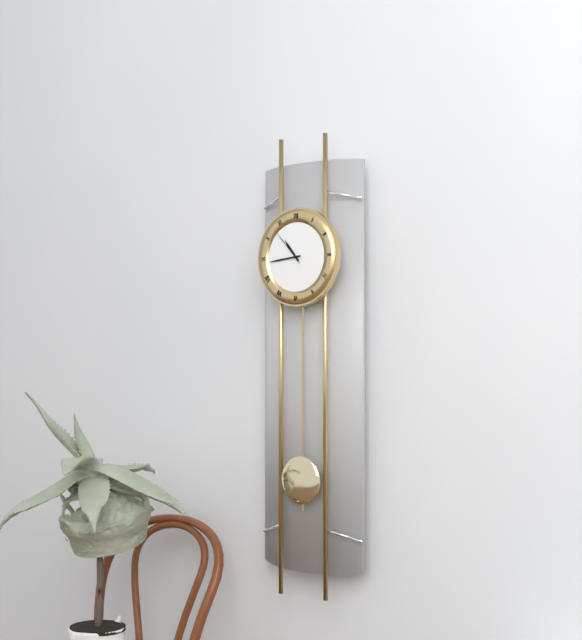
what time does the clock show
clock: 10:44
